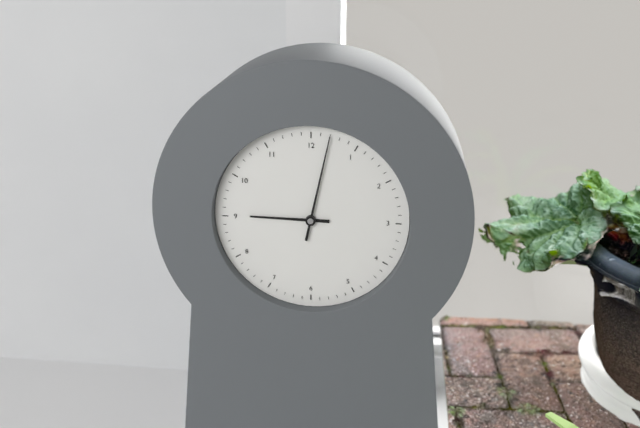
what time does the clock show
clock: 9:02
